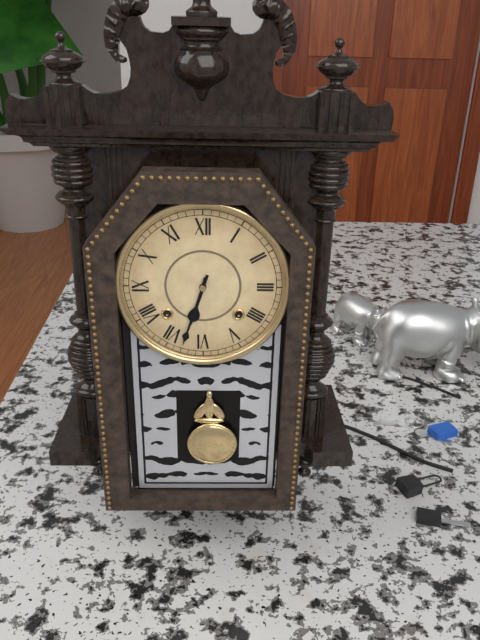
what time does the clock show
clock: 6:33
